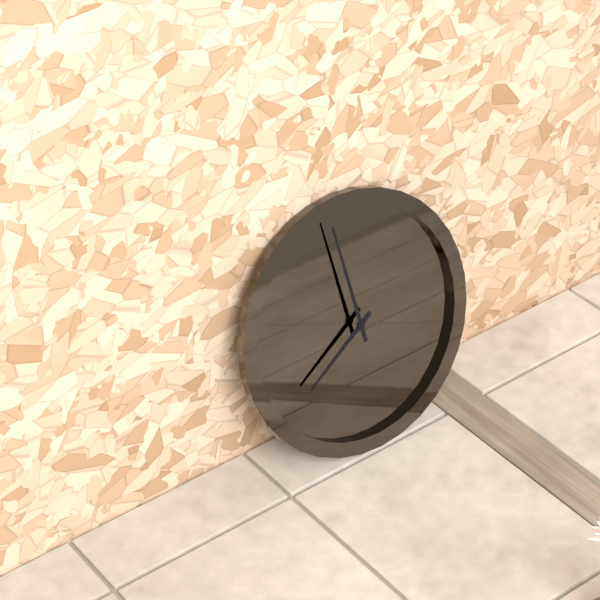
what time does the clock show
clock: 7:59
